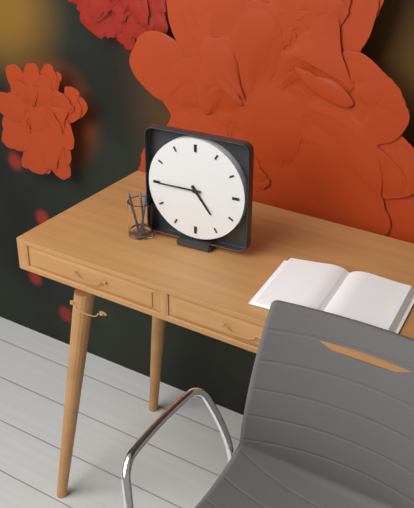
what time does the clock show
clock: 4:45
